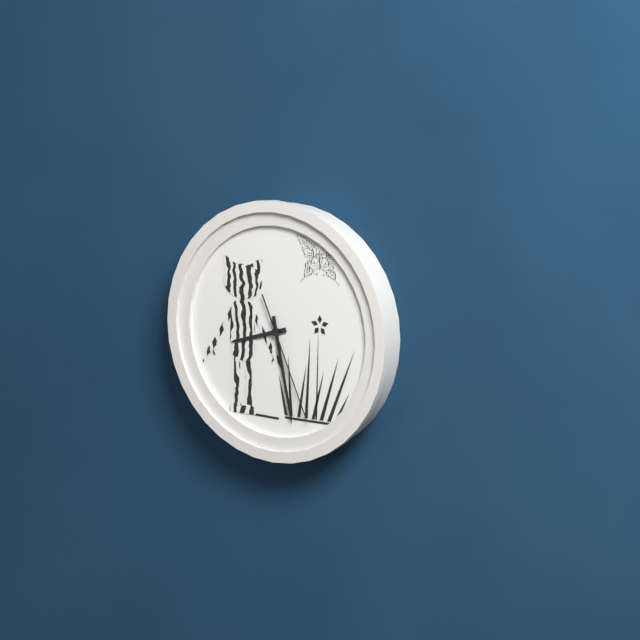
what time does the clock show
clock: 8:28:26
